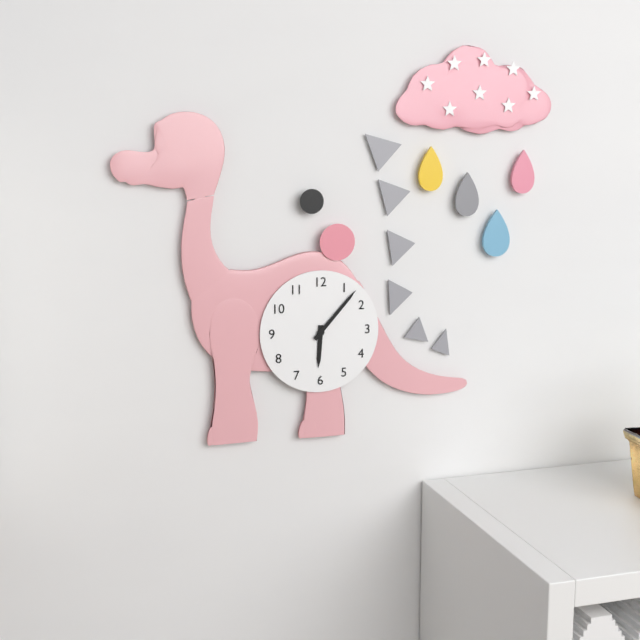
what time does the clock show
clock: 6:07
